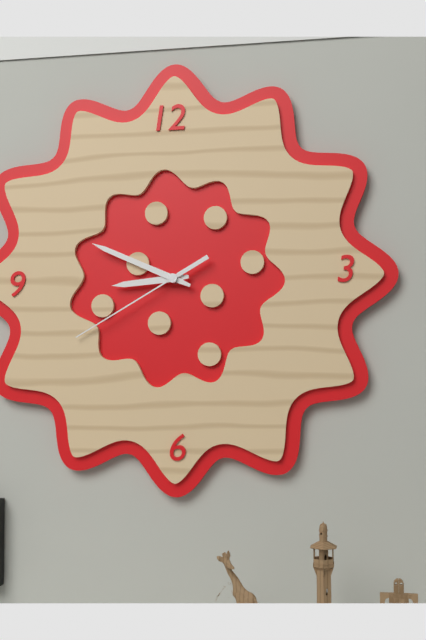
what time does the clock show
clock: 8:49:40
